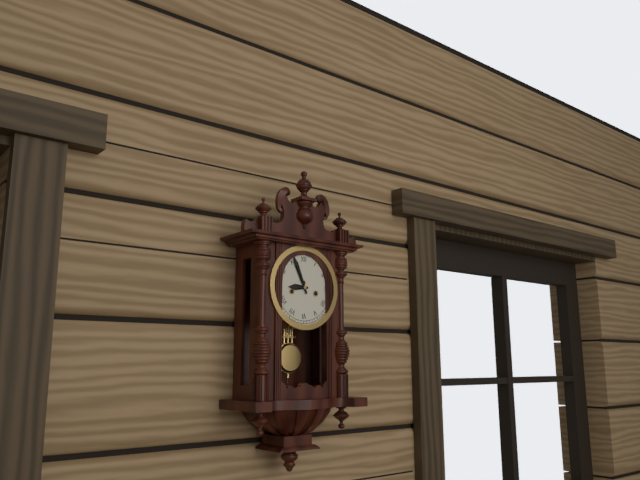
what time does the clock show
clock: 8:56
